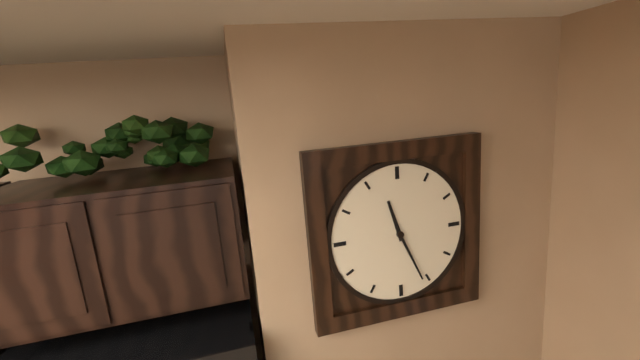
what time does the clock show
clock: 11:26
